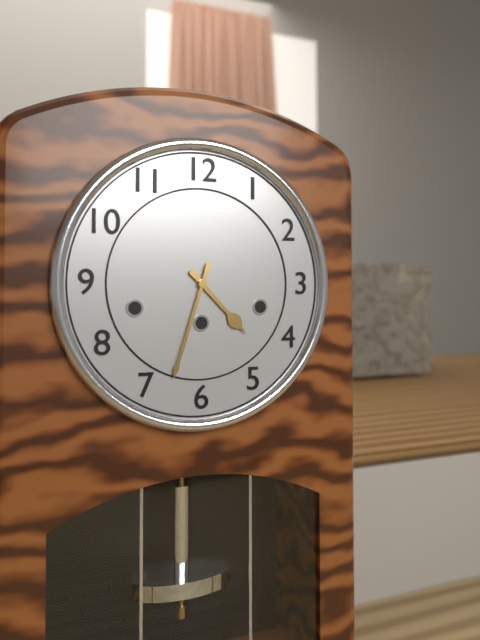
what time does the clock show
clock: 4:33
